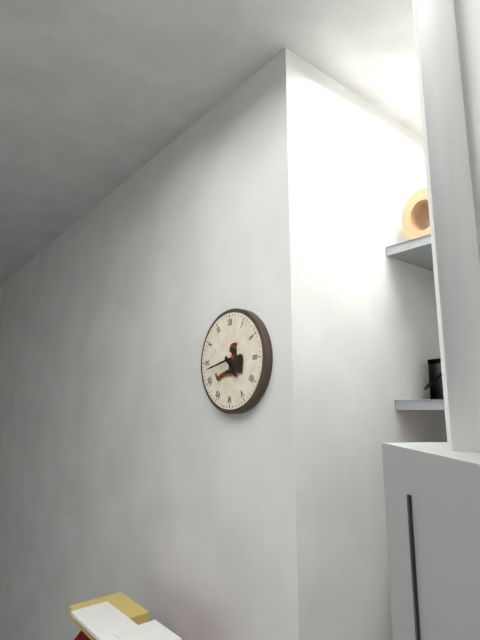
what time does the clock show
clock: 4:43
